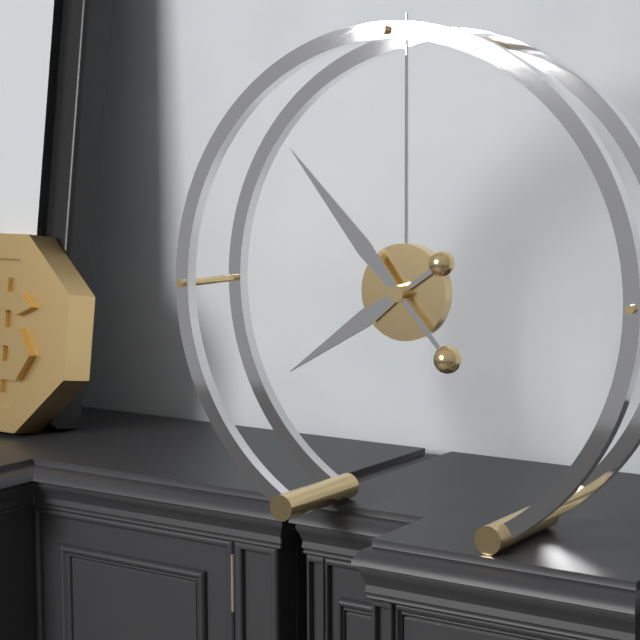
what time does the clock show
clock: 7:53
